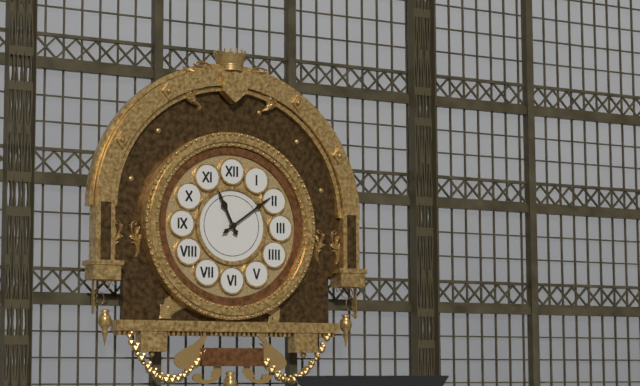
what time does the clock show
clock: 11:09
